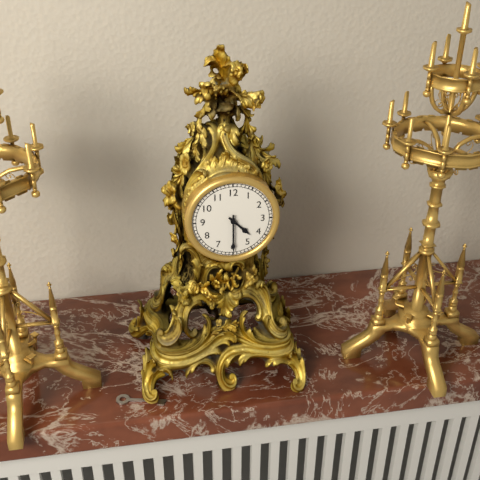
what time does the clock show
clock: 4:30
